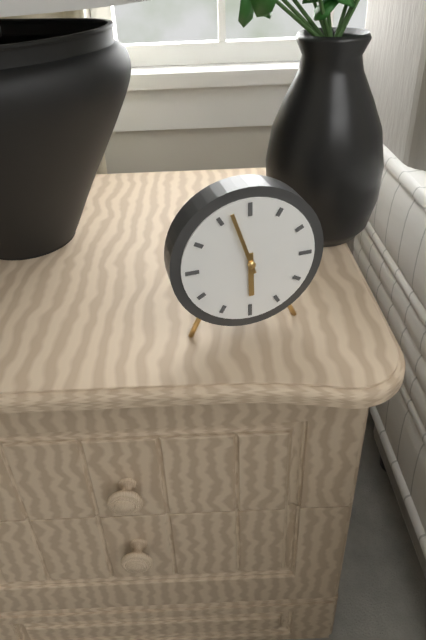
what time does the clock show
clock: 5:57
